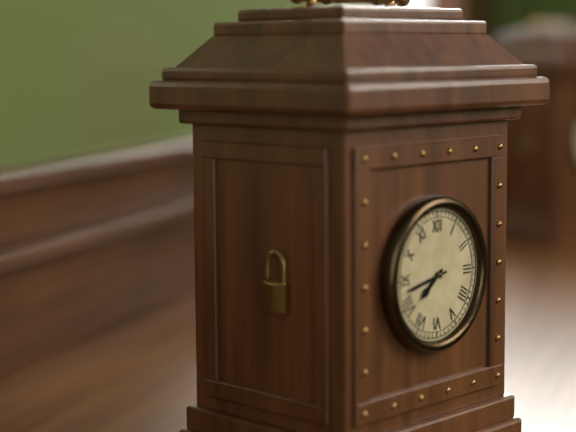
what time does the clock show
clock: 7:43
